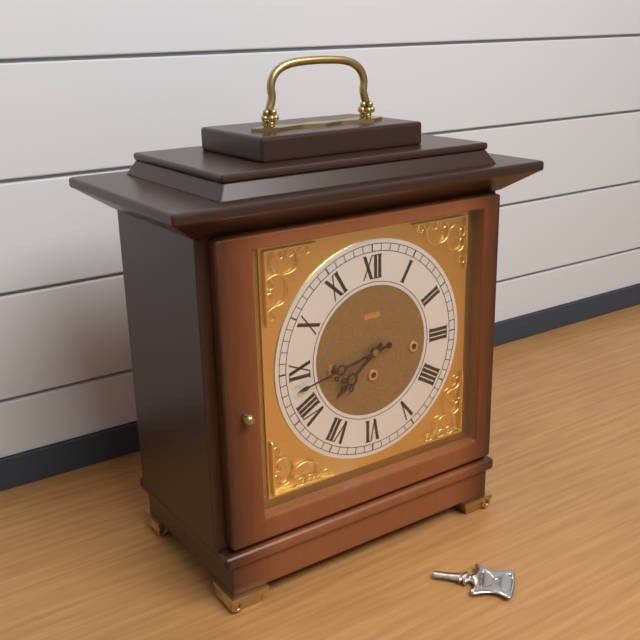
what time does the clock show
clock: 7:43
